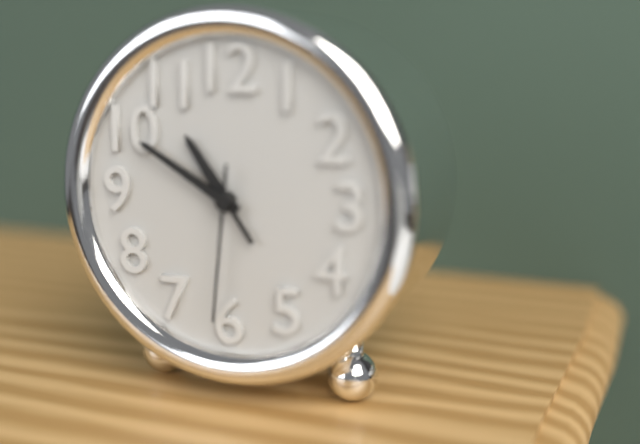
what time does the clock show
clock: 10:50:31
